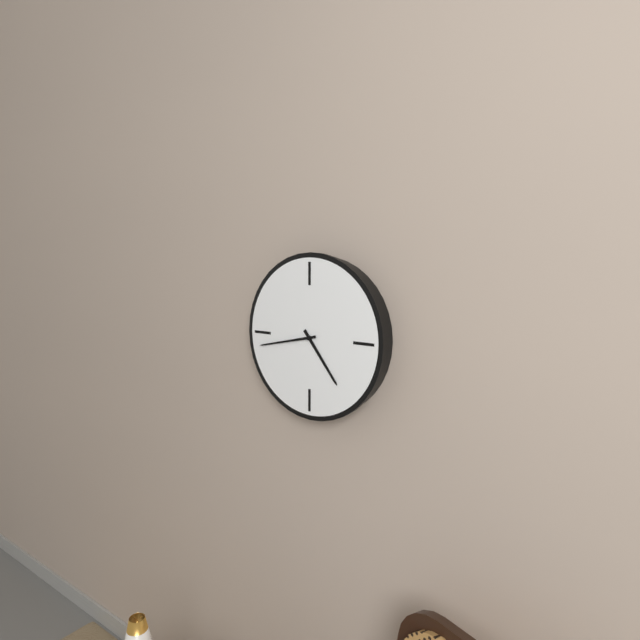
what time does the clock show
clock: 4:43
